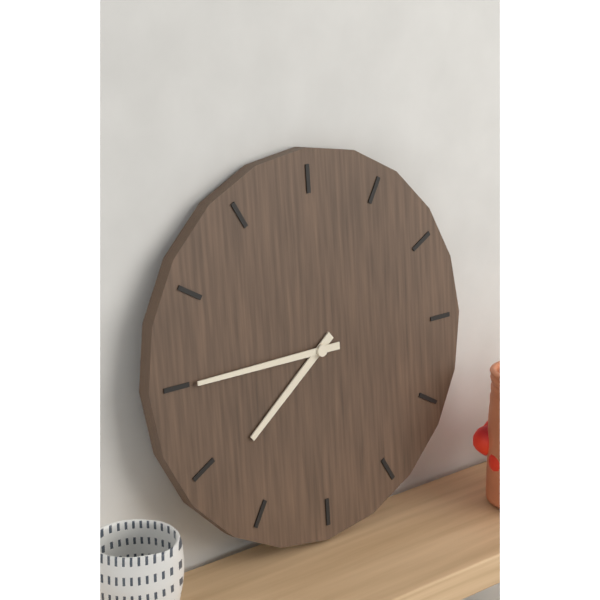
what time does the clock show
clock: 7:45
